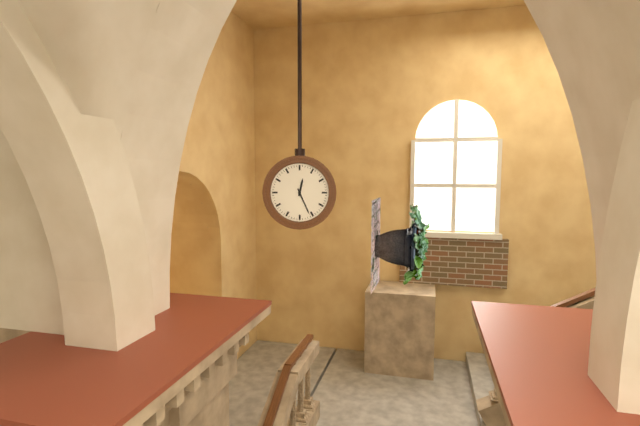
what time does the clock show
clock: 12:26
